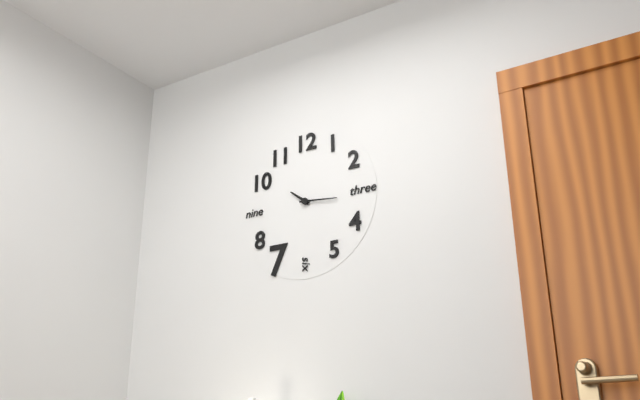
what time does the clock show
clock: 10:16
